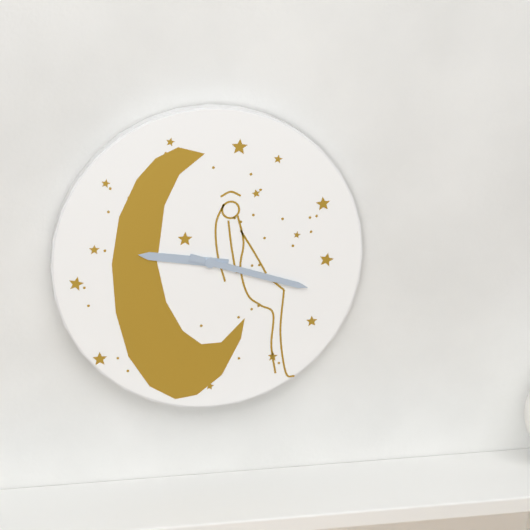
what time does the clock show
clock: 9:18
